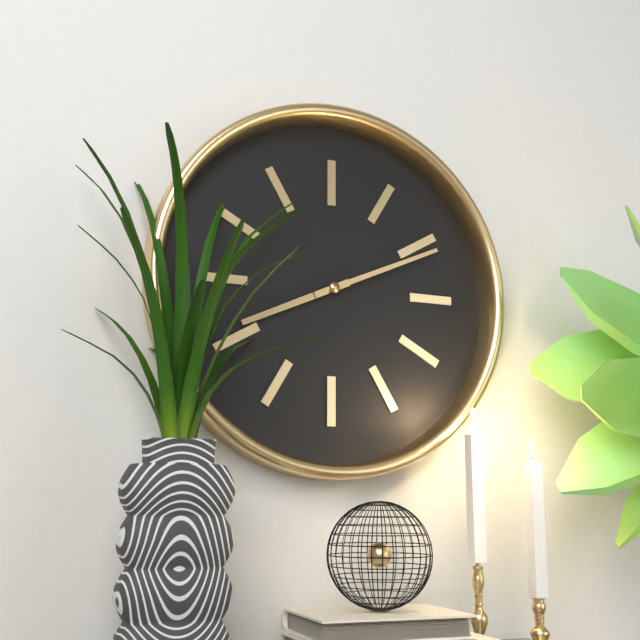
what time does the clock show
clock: 8:11
